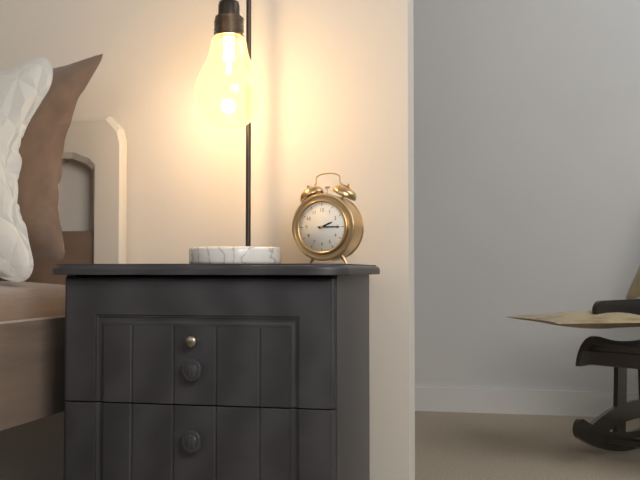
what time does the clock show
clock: 2:15
